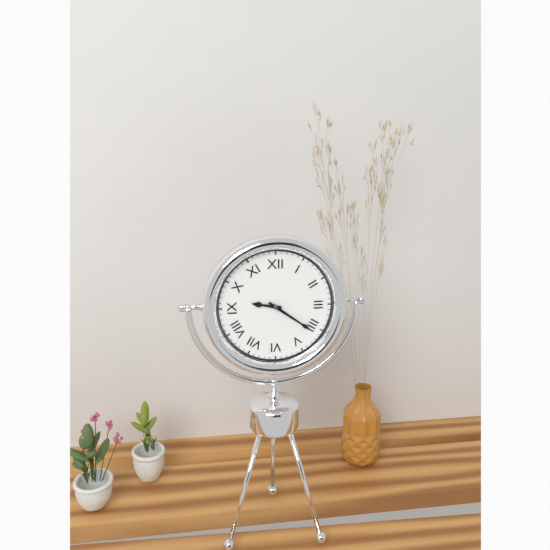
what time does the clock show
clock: 9:21
